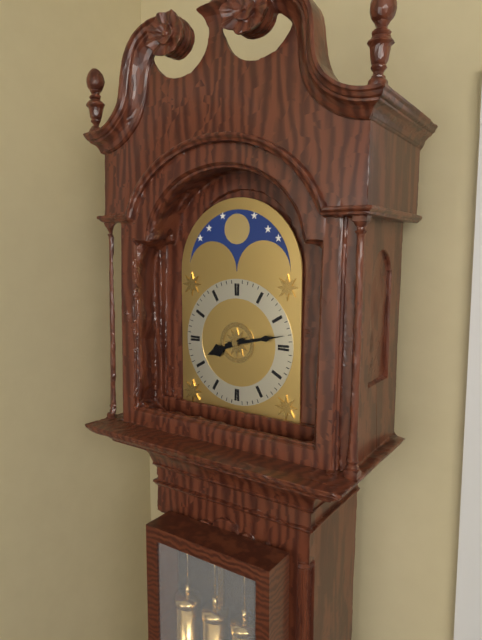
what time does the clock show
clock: 8:13
